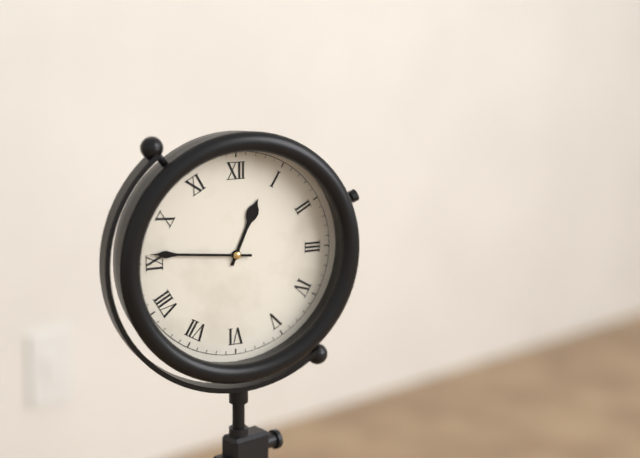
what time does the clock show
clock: 12:46
